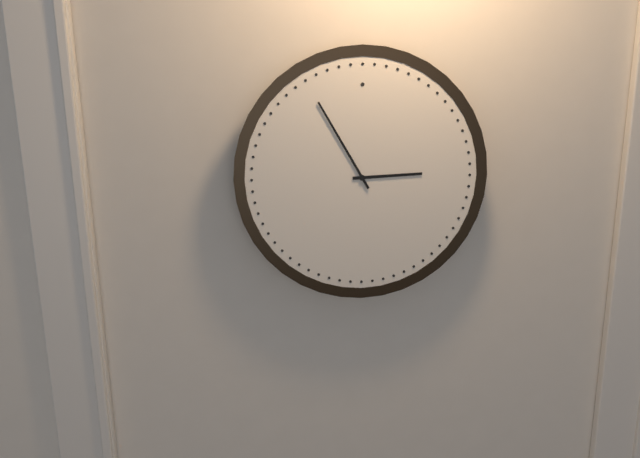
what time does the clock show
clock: 2:55
